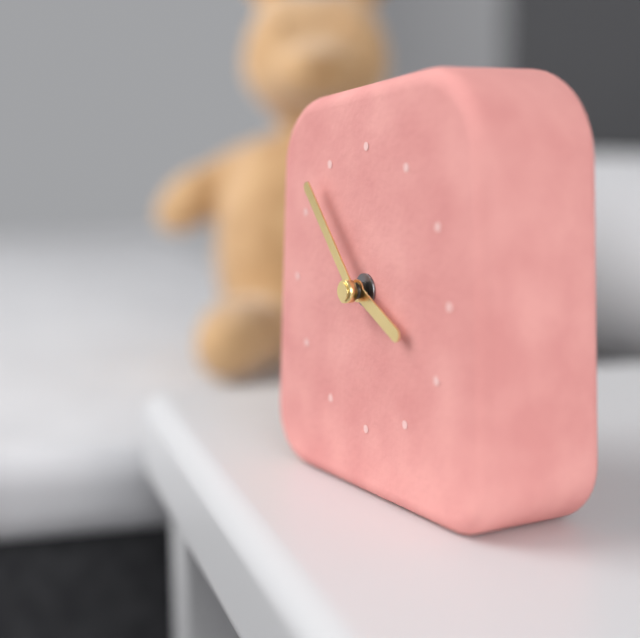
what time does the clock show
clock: 3:53
